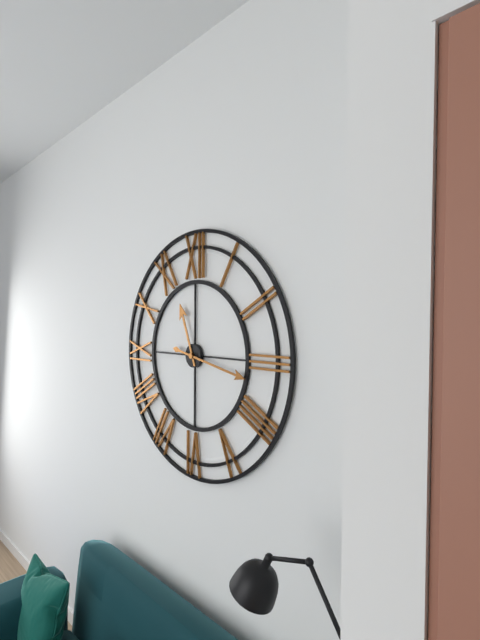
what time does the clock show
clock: 11:17
